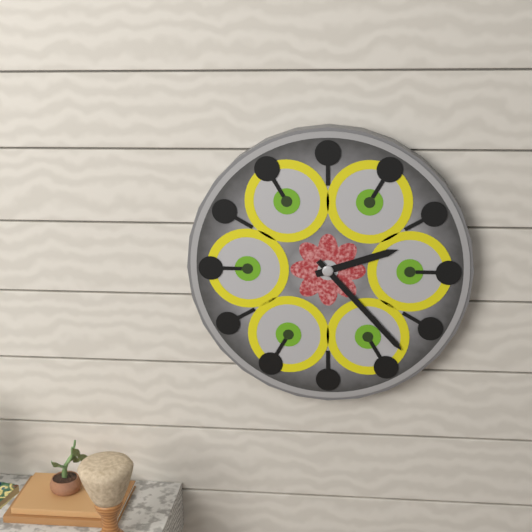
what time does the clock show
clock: 2:23
